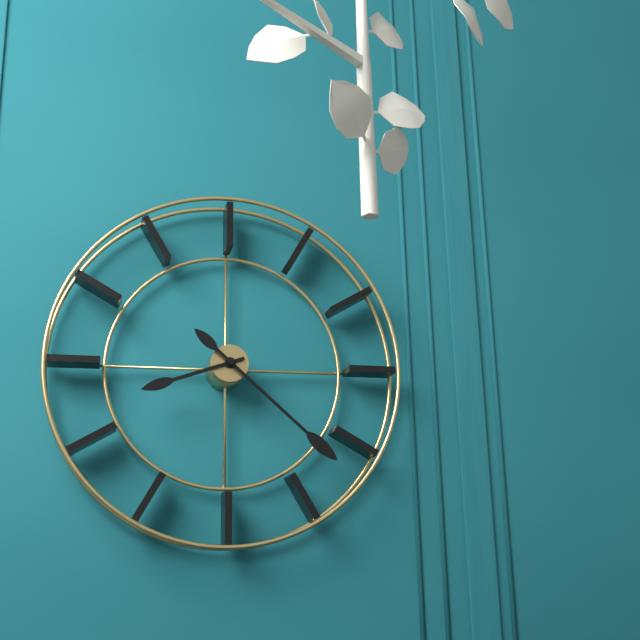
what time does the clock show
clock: 8:22
